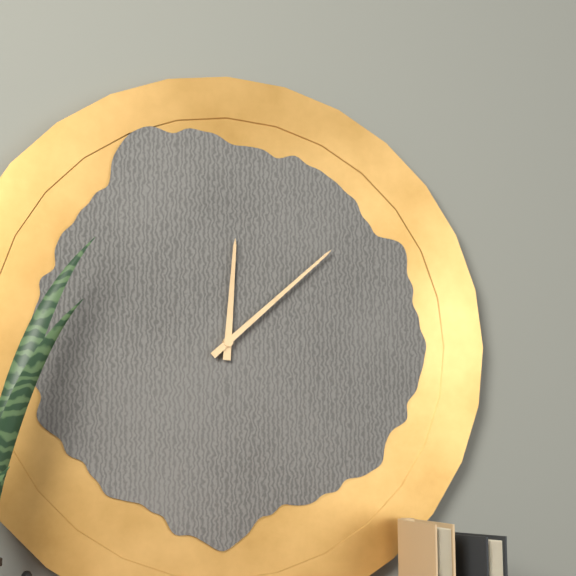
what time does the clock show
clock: 12:08
